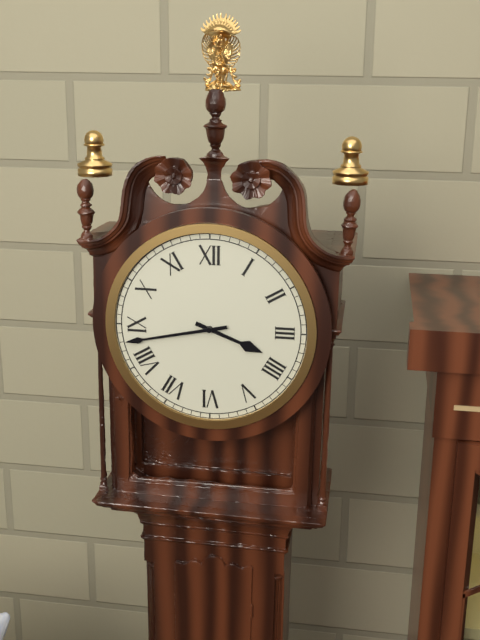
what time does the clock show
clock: 3:43
